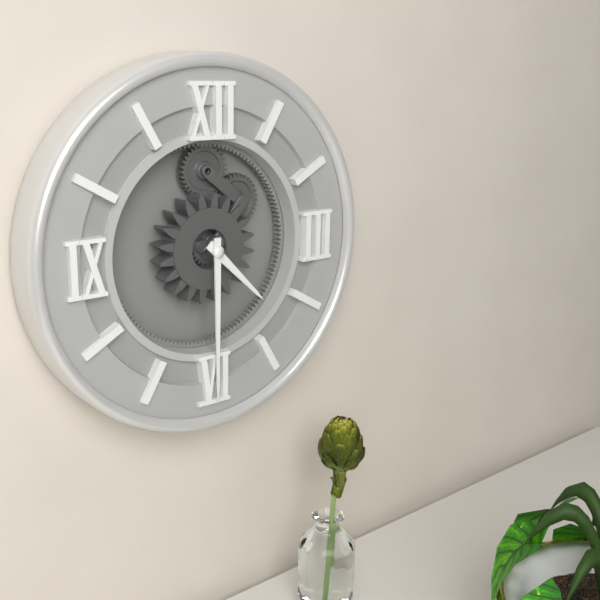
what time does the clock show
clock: 4:30
